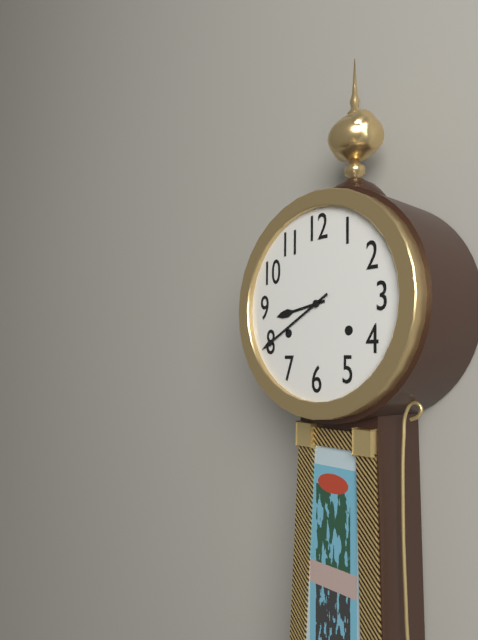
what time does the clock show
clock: 8:40
